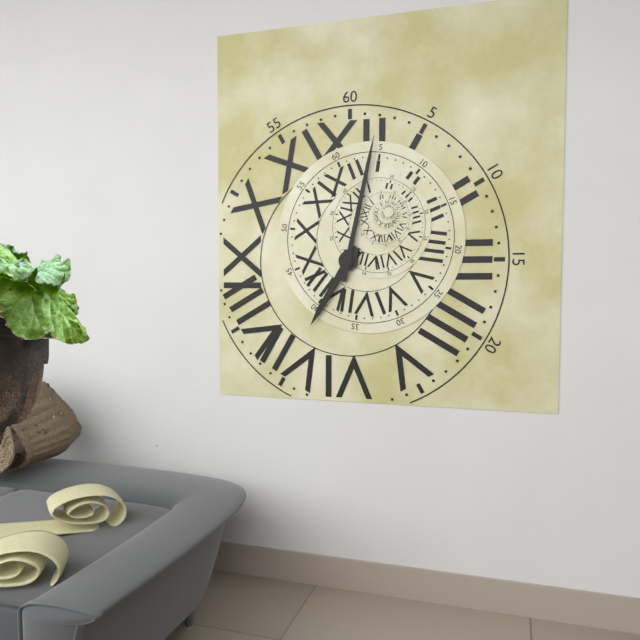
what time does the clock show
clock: 7:02
